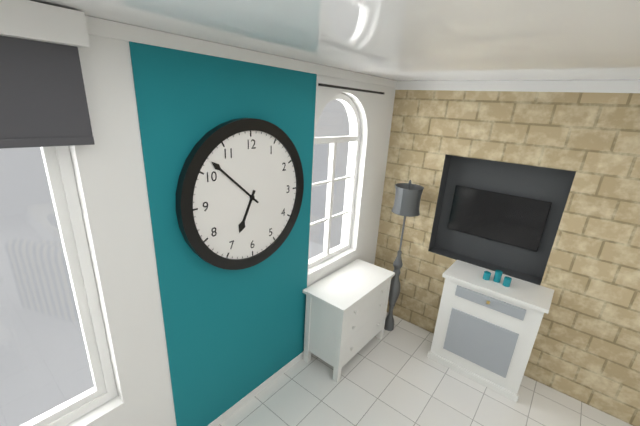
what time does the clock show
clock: 6:52
